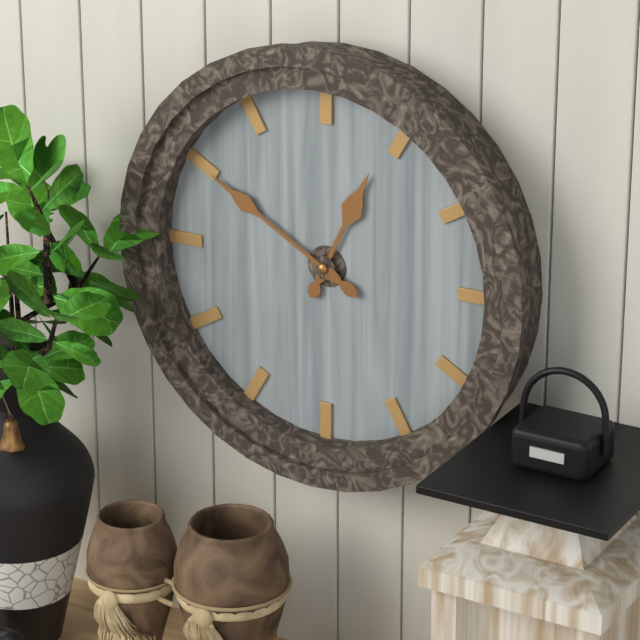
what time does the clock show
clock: 12:50
